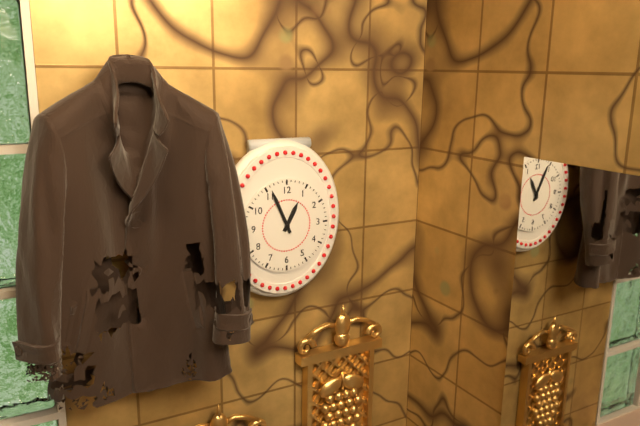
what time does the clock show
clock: 12:56
